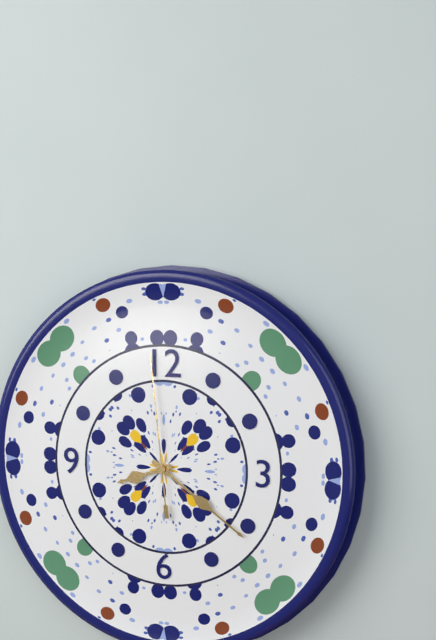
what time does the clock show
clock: 8:21:59
